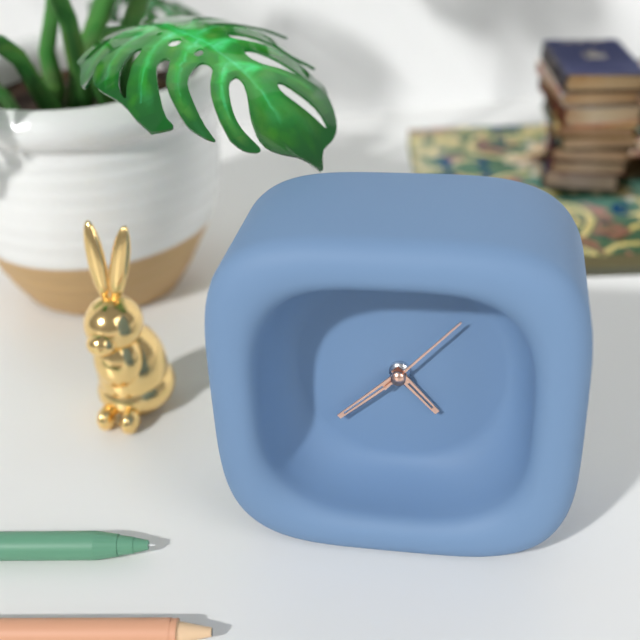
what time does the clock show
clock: 4:38:07
